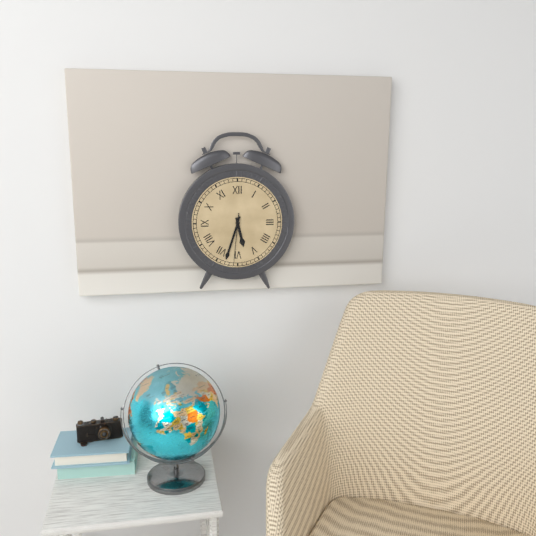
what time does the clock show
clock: 5:33:31
